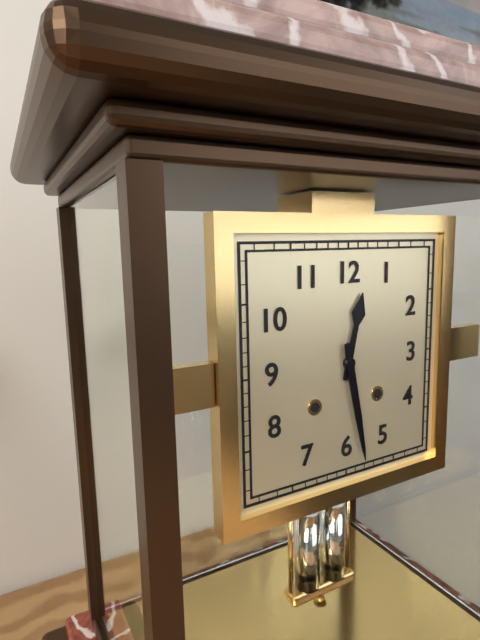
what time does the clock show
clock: 12:28
